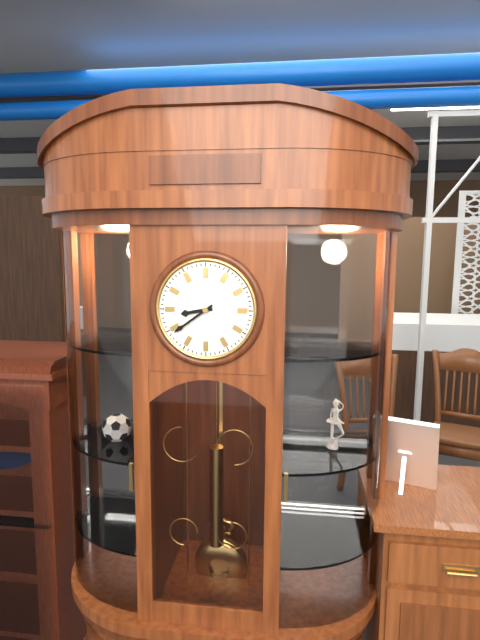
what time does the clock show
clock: 8:39
